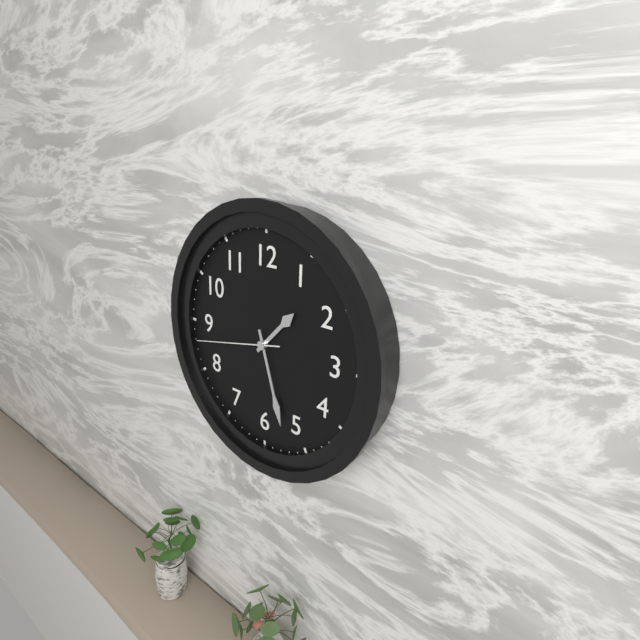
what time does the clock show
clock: 1:27:43
